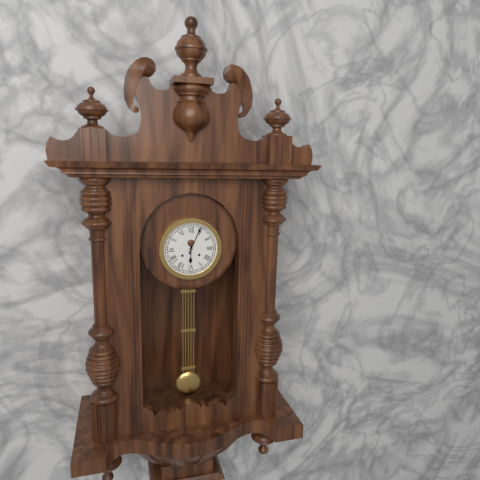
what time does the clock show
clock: 6:04
